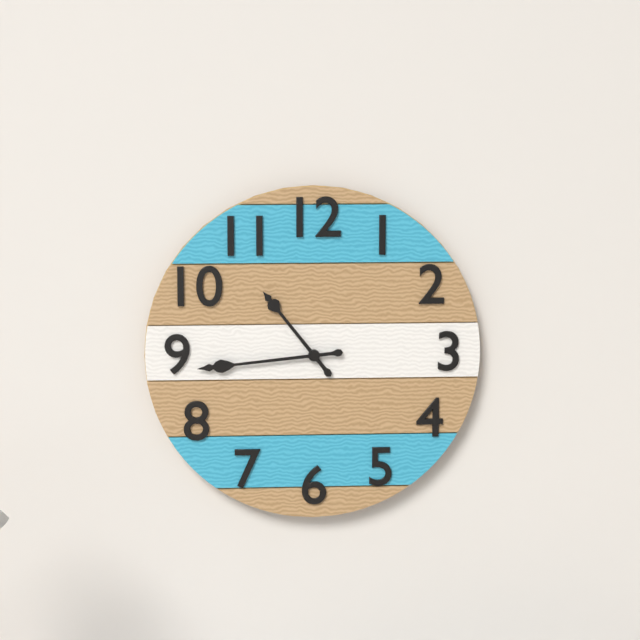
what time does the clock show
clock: 10:44
